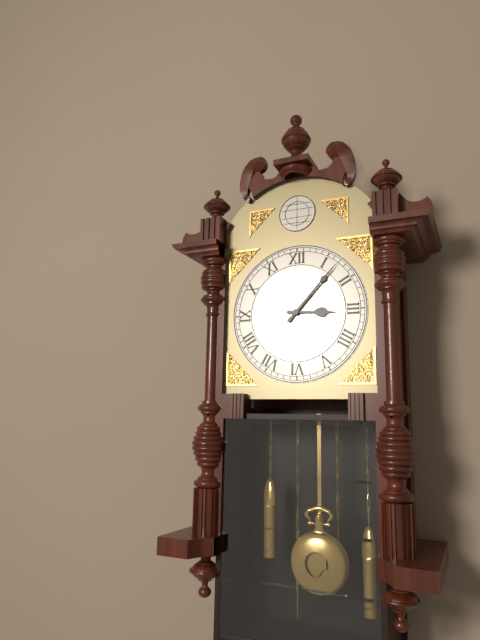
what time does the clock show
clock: 3:07
